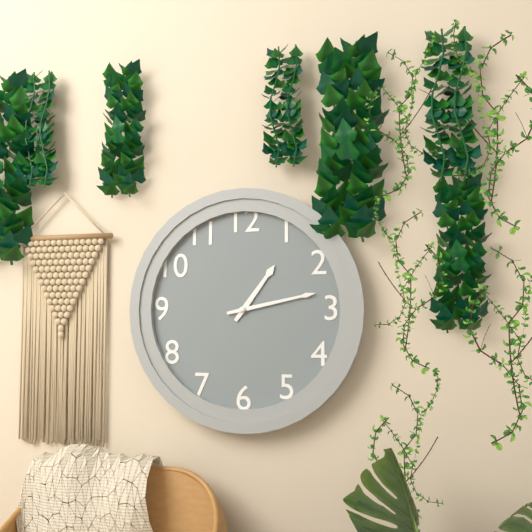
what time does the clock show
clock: 1:13
